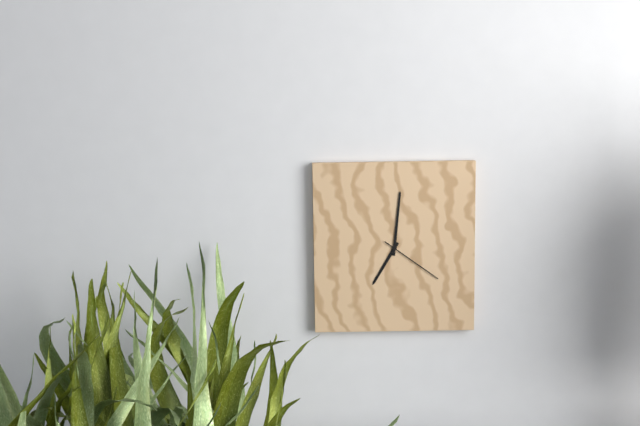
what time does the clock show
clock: 7:01:21
